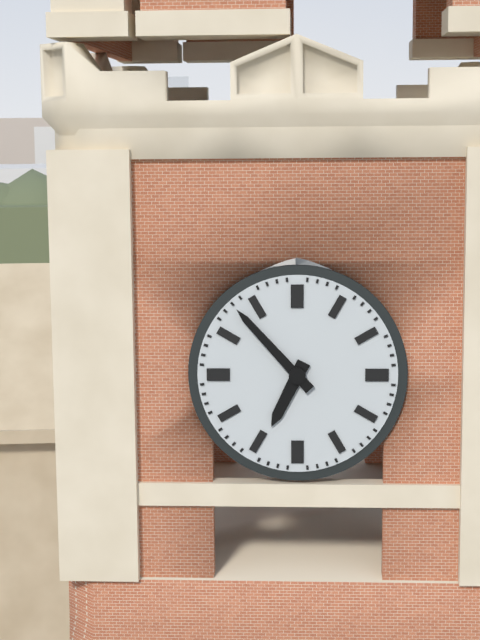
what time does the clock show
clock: 6:53
